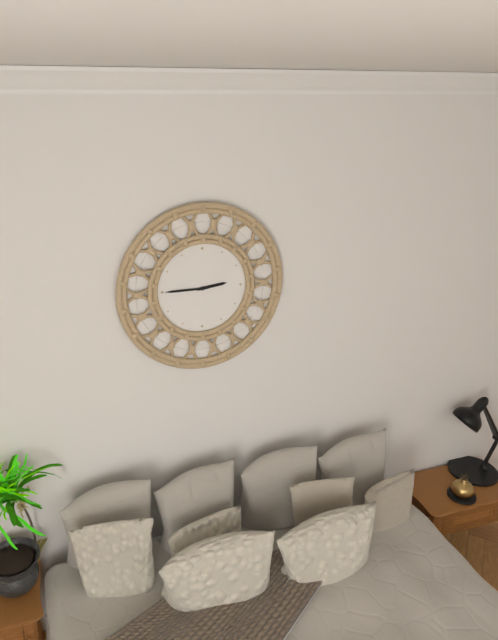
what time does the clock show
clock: 2:45
